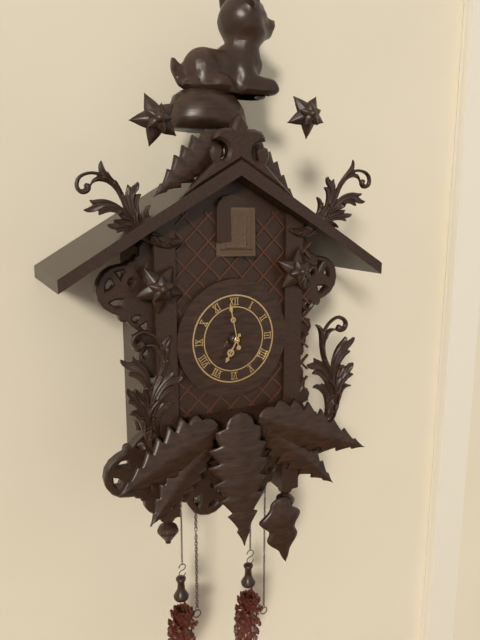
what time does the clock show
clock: 6:58
